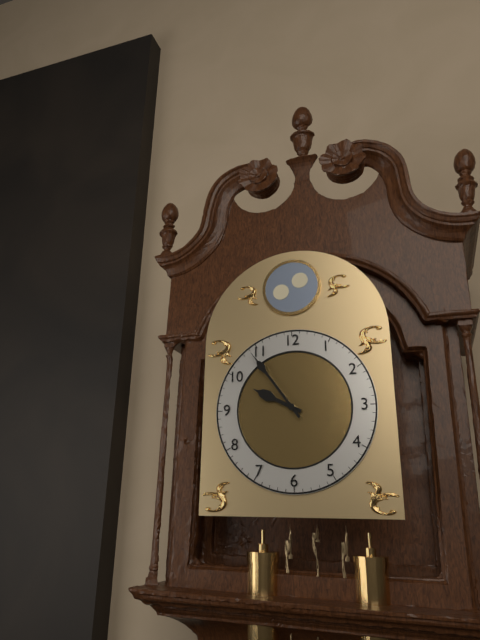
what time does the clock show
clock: 9:54
